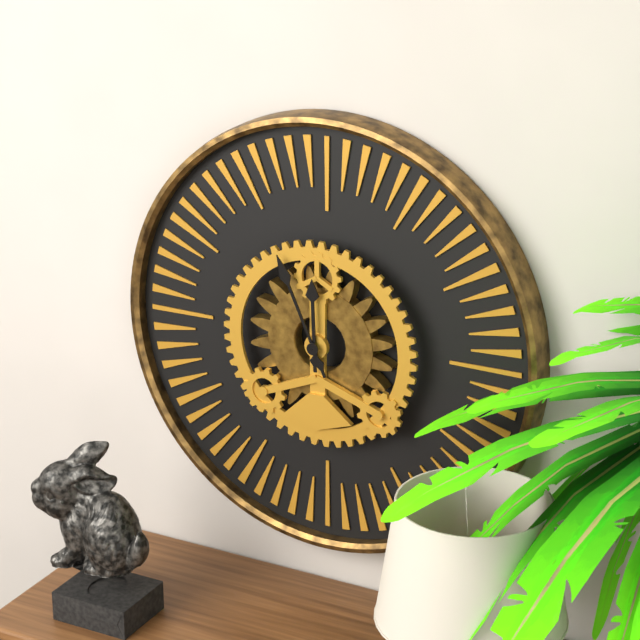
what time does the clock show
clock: 11:56
